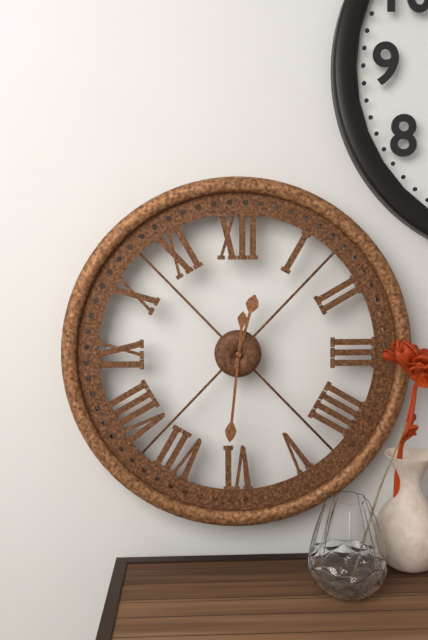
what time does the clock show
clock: 12:31
